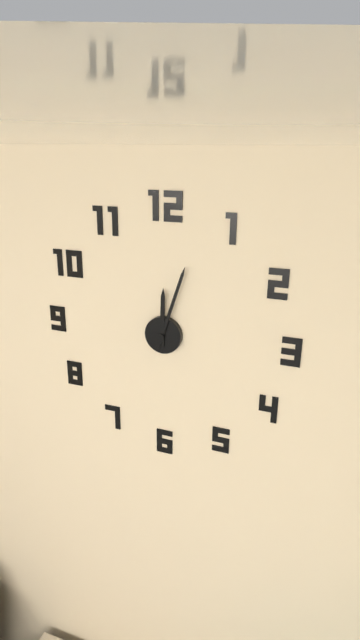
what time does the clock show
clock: 12:03
